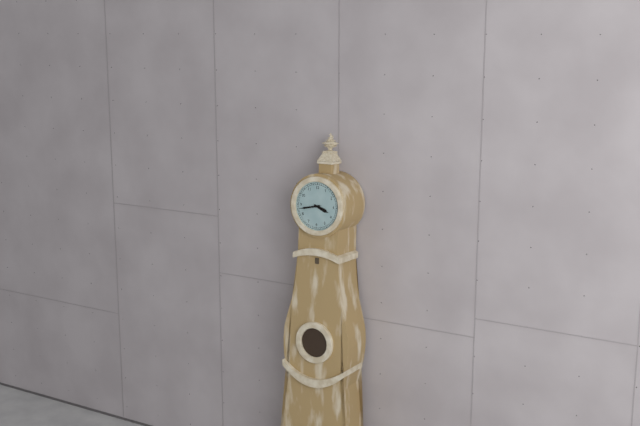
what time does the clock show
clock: 3:43
